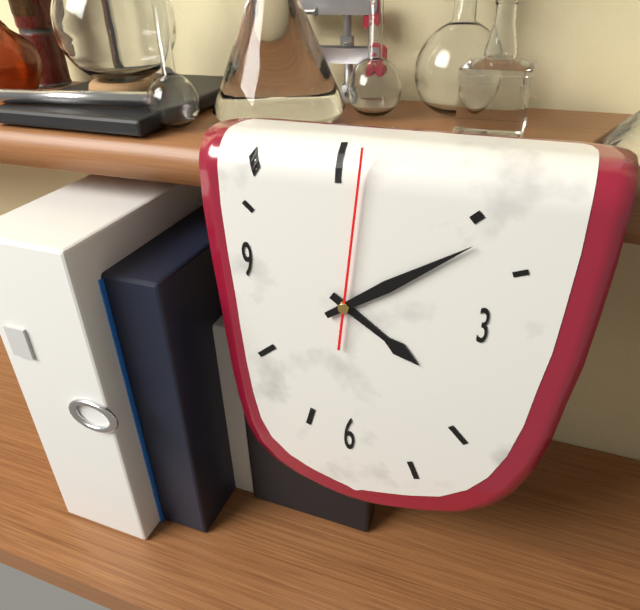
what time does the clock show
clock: 4:09:01
